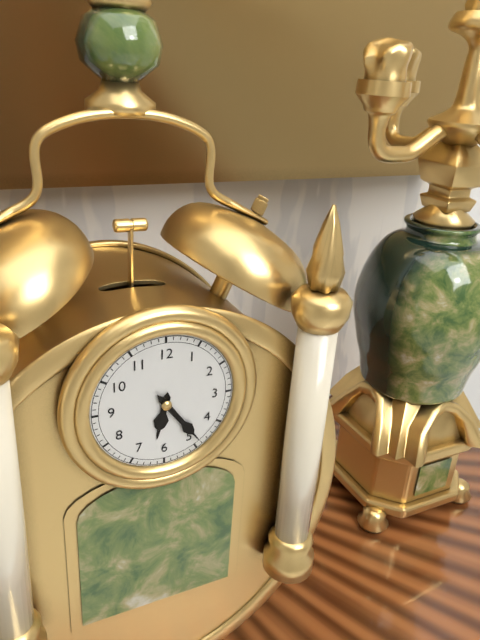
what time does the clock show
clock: 6:24
